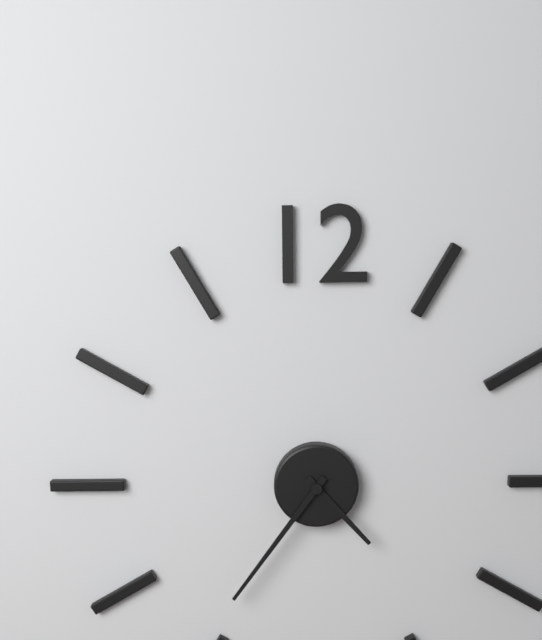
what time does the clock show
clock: 4:36
